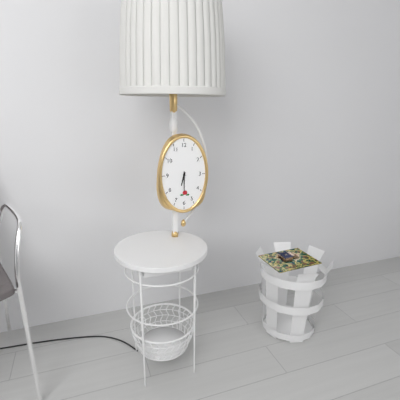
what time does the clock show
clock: 6:30
